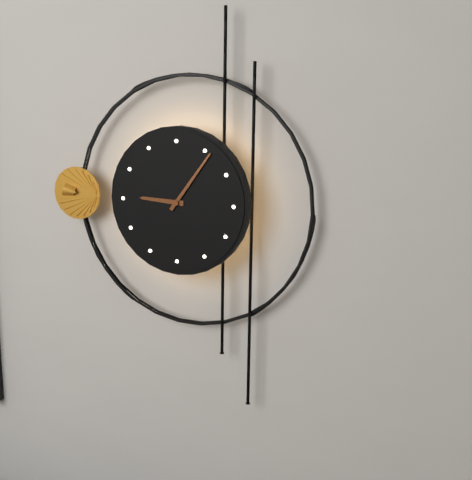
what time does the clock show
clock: 9:06
